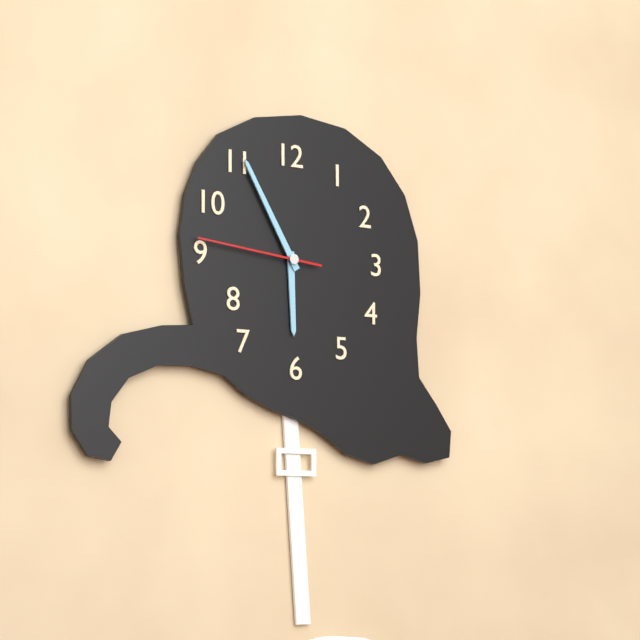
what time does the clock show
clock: 5:55:46
